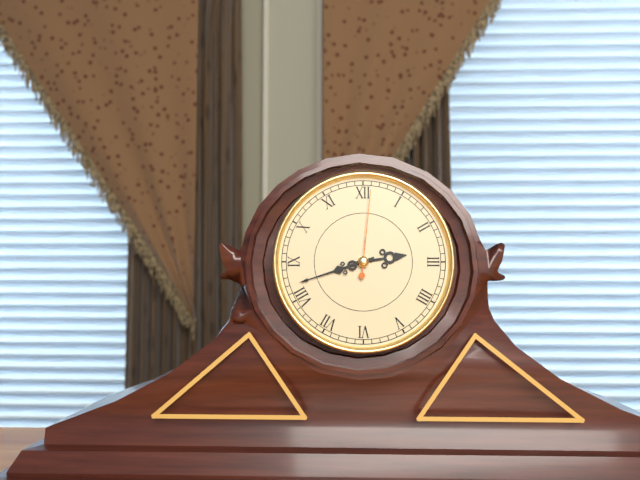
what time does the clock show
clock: 2:42:01
